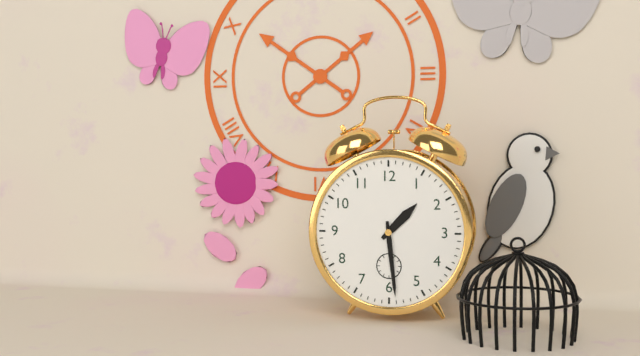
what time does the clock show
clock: 1:29
